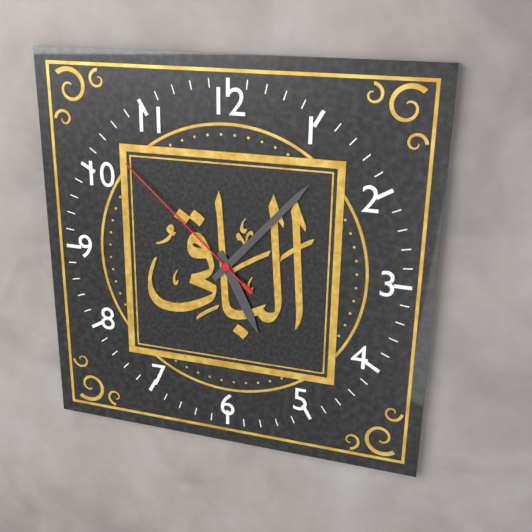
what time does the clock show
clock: 5:07:52
